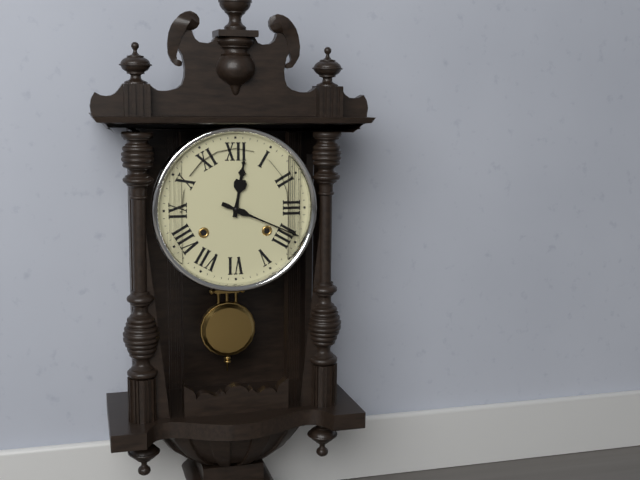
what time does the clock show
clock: 12:19
